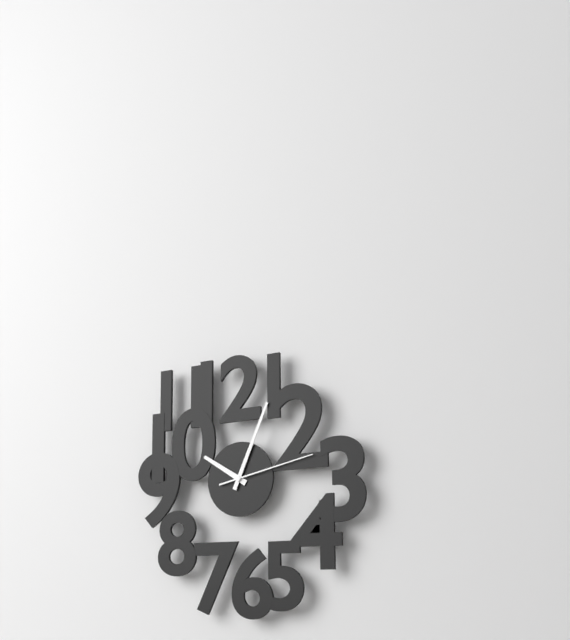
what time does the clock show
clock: 10:04:13
